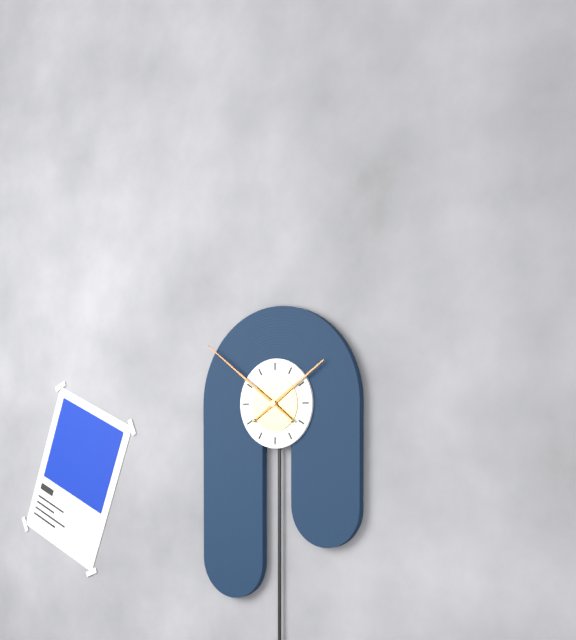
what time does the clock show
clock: 1:51
